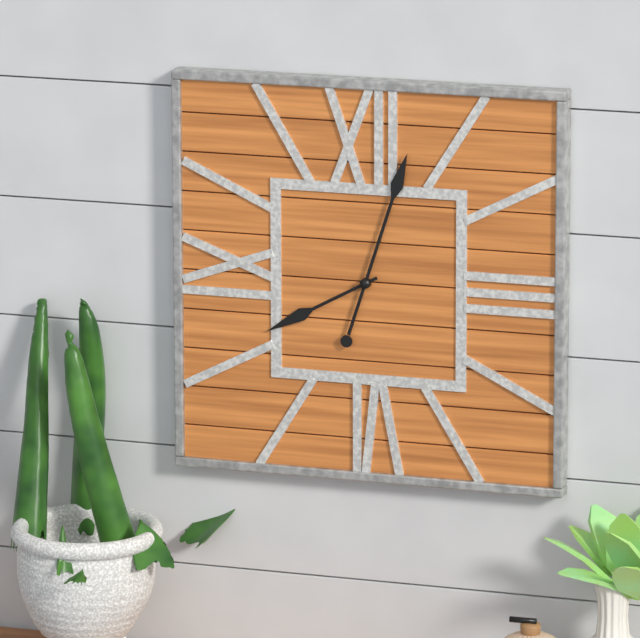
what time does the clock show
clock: 8:03
